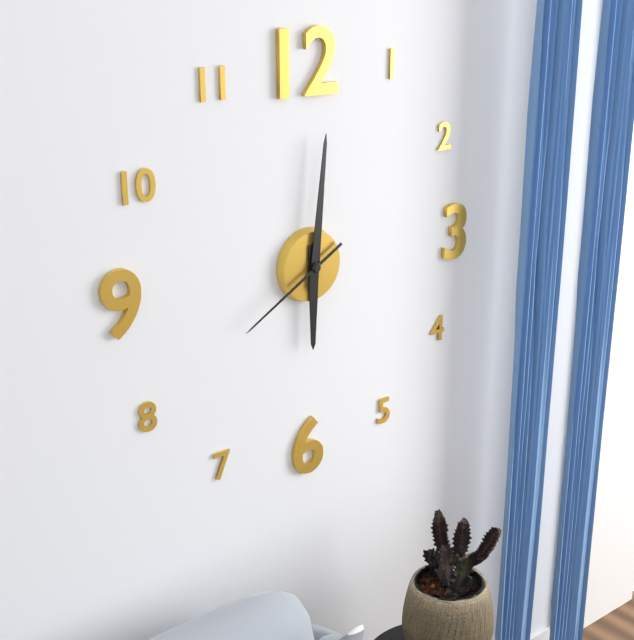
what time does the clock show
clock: 6:01:40
